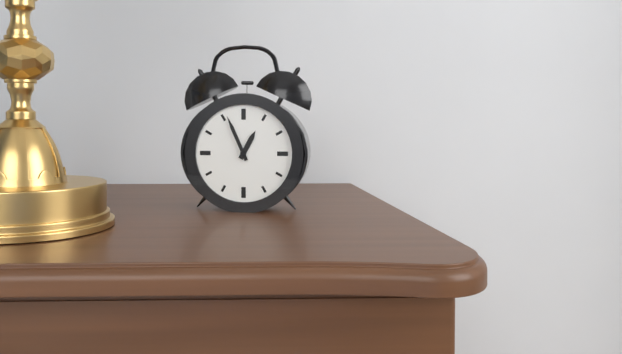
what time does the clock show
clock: 12:56
